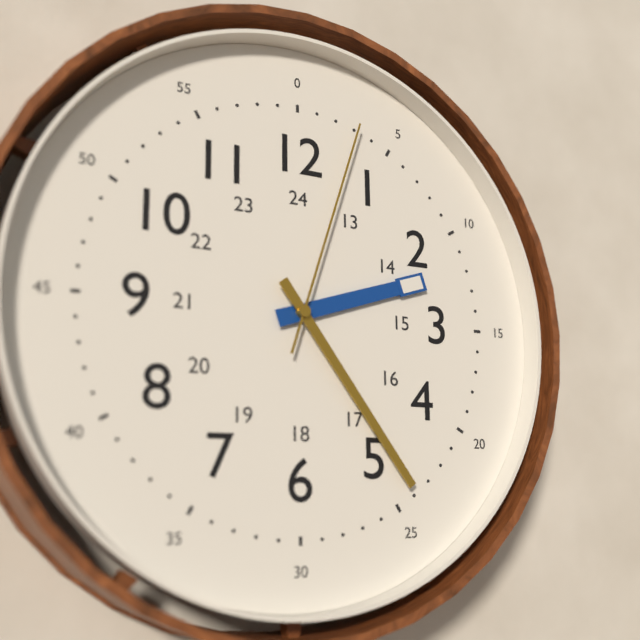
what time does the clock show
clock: 2:24:03
